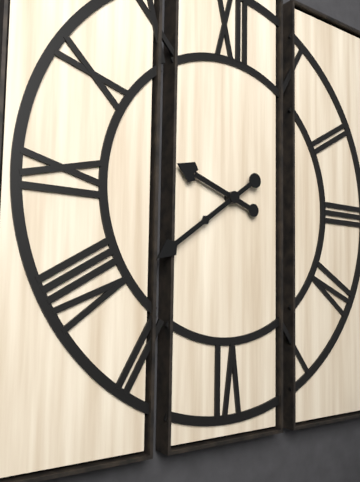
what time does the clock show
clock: 9:39
